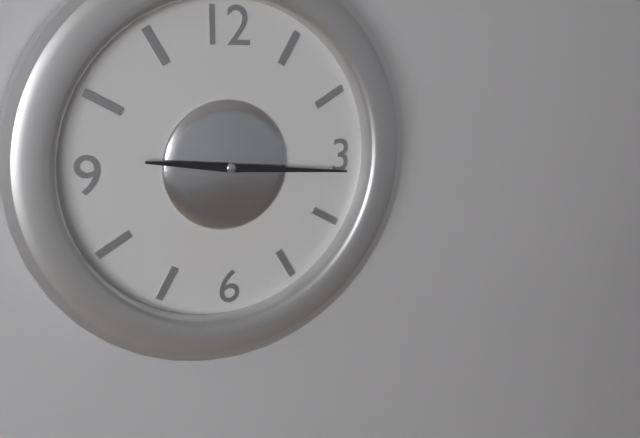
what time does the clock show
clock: 9:16
